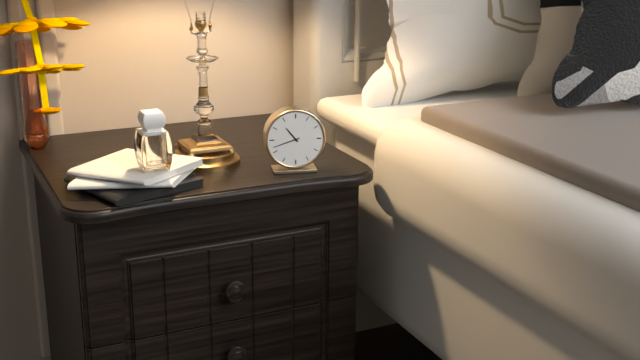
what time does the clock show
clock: 10:42
